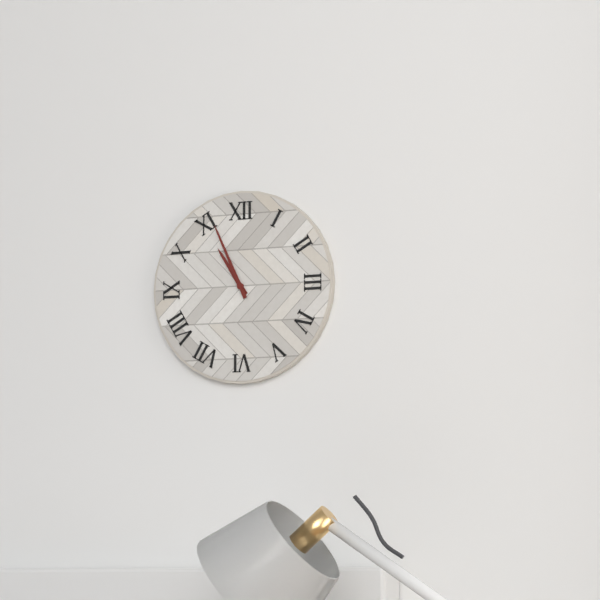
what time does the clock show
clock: 10:56
